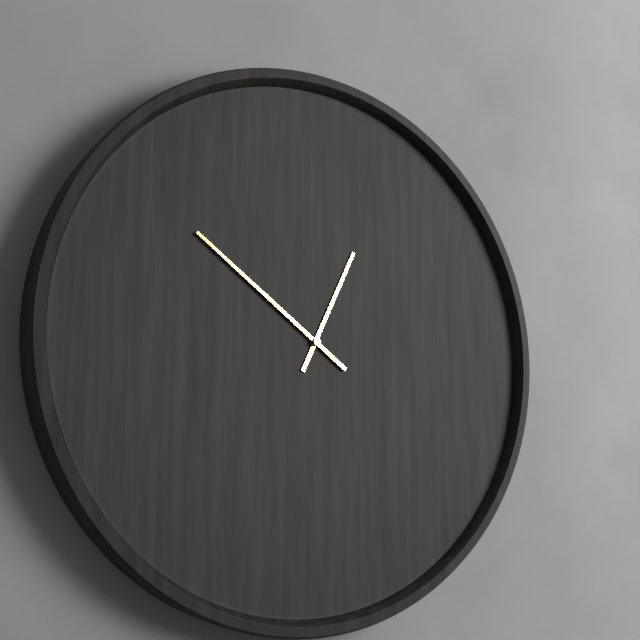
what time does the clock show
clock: 12:51
